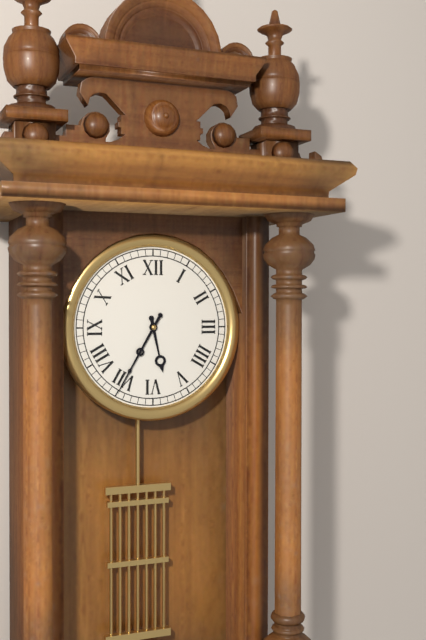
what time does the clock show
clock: 5:35
